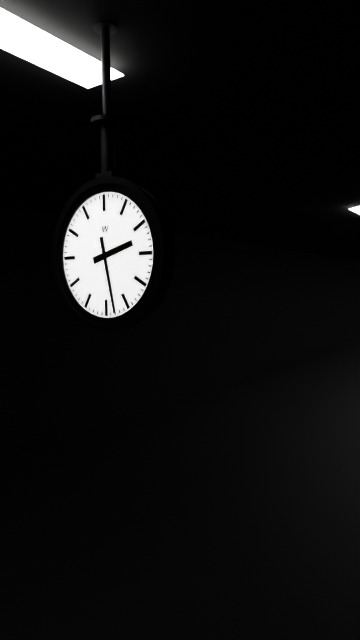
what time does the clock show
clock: 2:28
